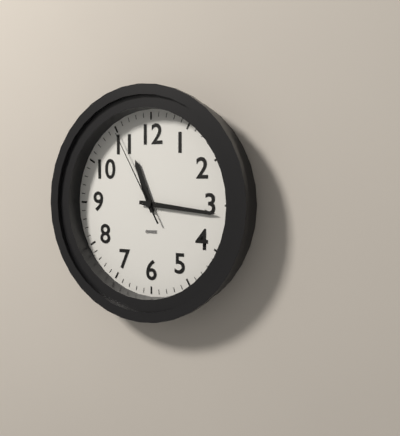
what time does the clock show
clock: 11:16:55
